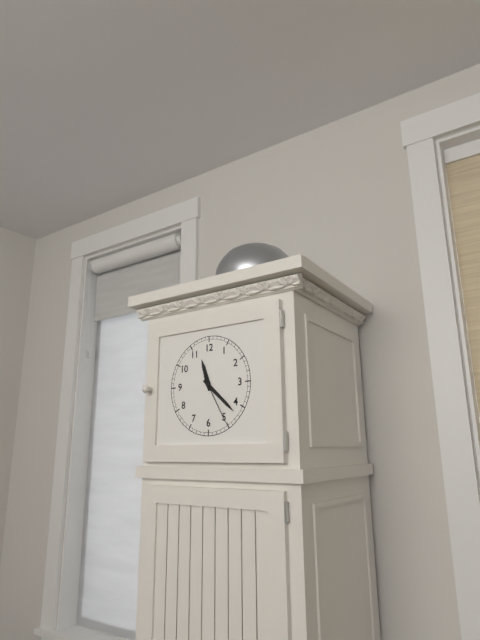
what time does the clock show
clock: 11:22:25
